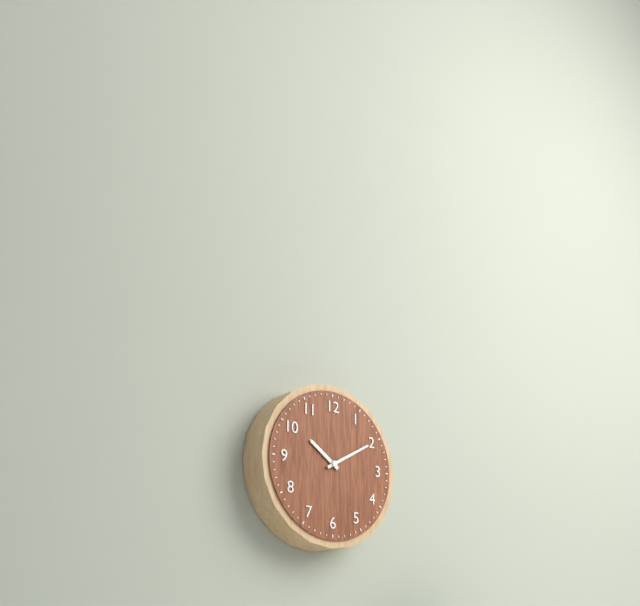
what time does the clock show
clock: 10:10
